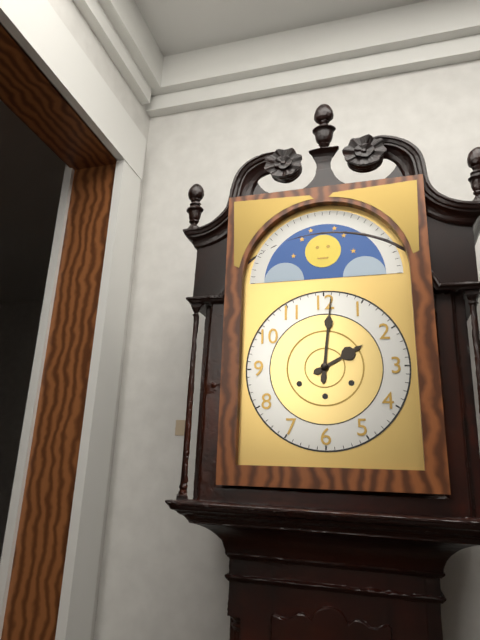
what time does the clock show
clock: 2:01
